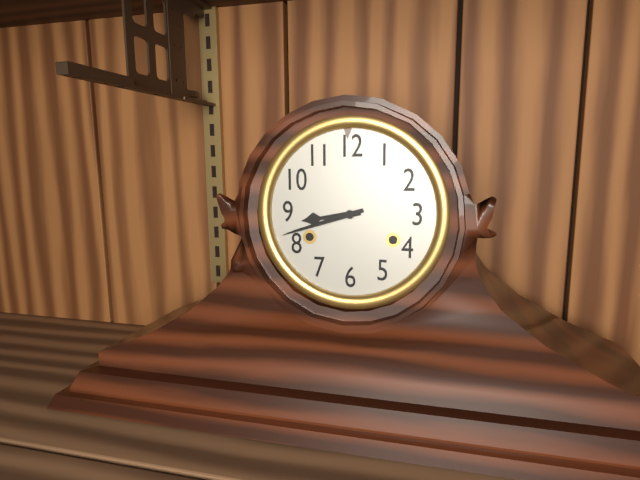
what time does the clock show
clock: 8:42
